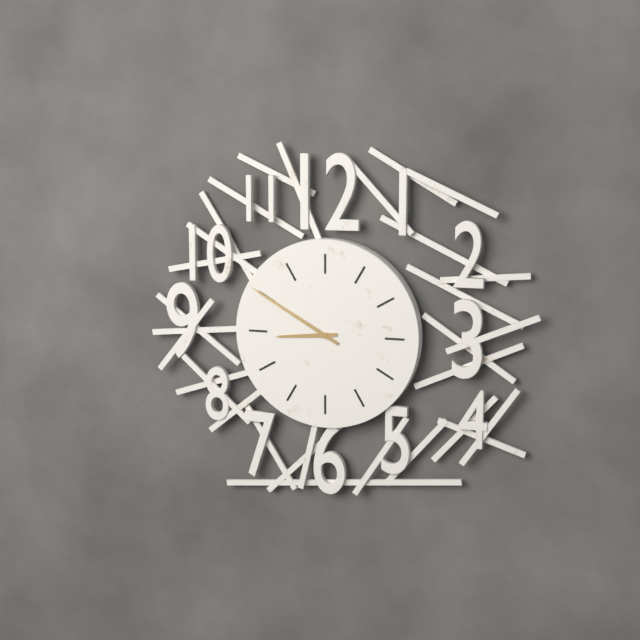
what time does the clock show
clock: 8:50
